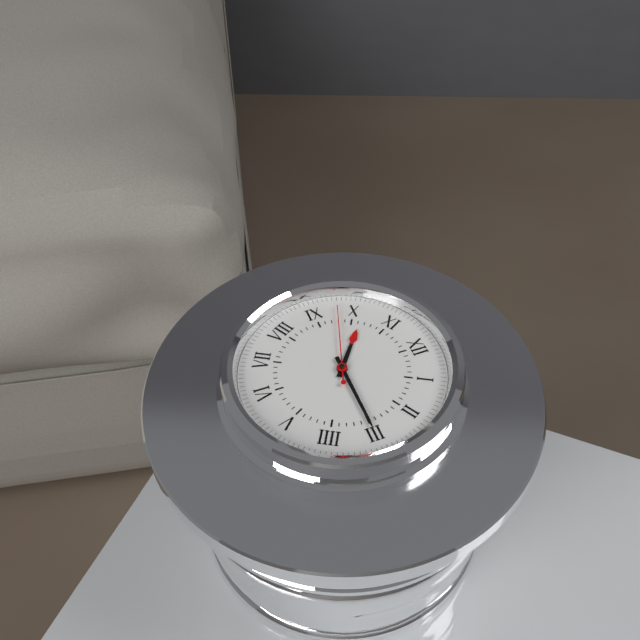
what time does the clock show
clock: 10:15:48
